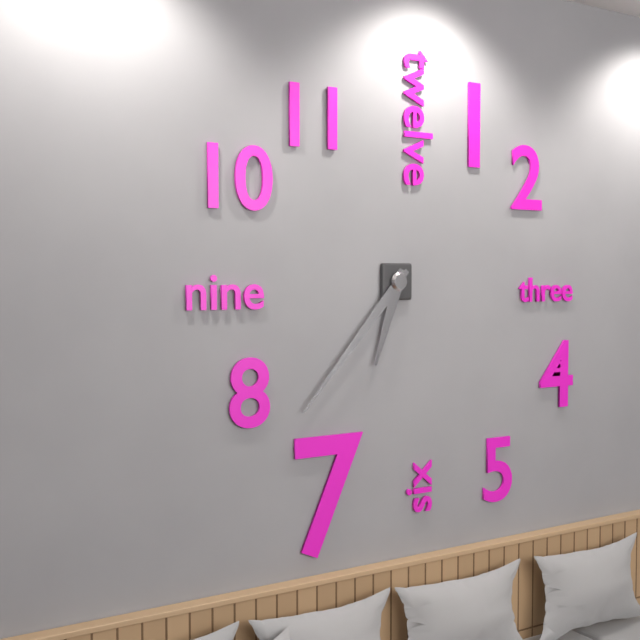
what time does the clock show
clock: 6:37
